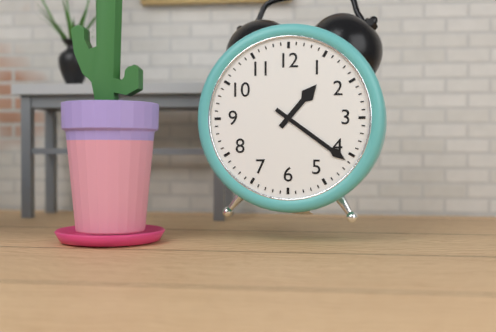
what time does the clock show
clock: 1:21
